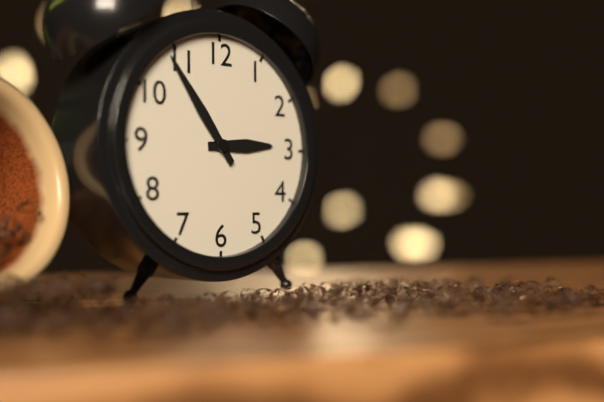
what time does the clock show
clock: 2:54
